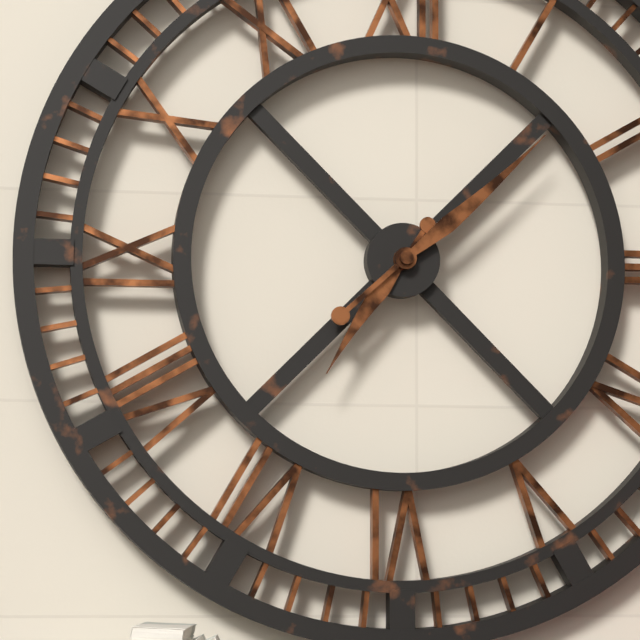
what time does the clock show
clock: 7:08
